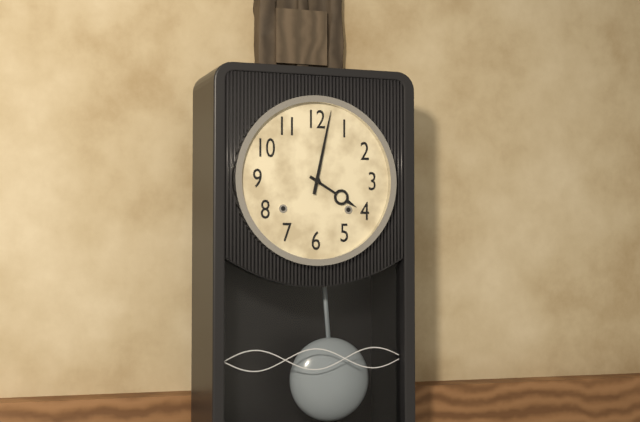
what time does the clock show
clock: 4:02
